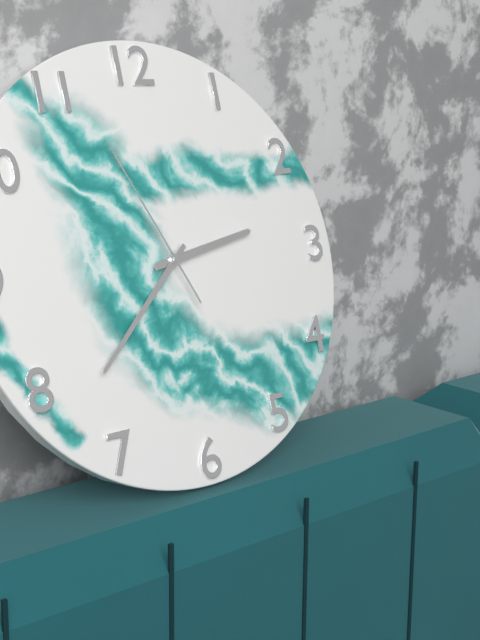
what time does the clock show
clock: 2:38:56
